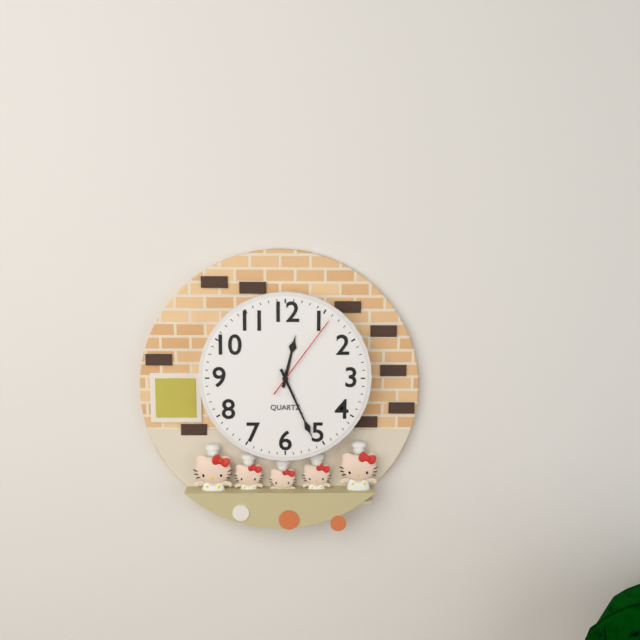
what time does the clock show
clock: 12:26:06
